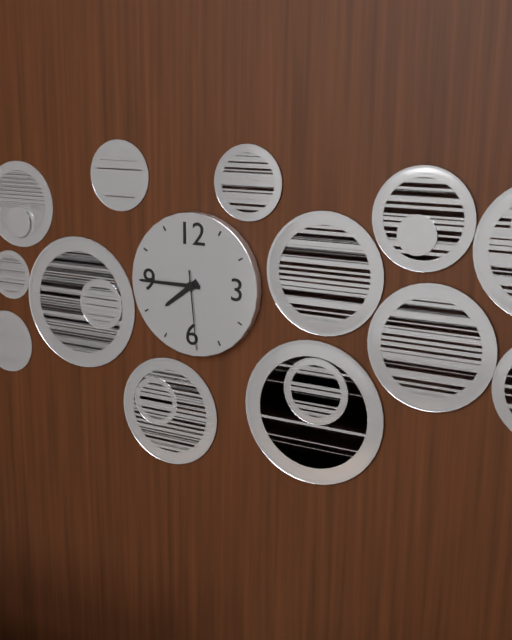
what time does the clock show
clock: 7:45:29
